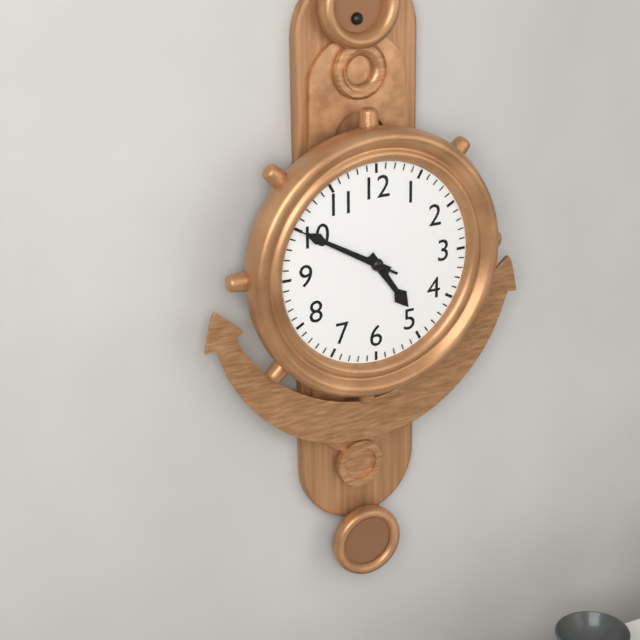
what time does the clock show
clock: 4:50:50
